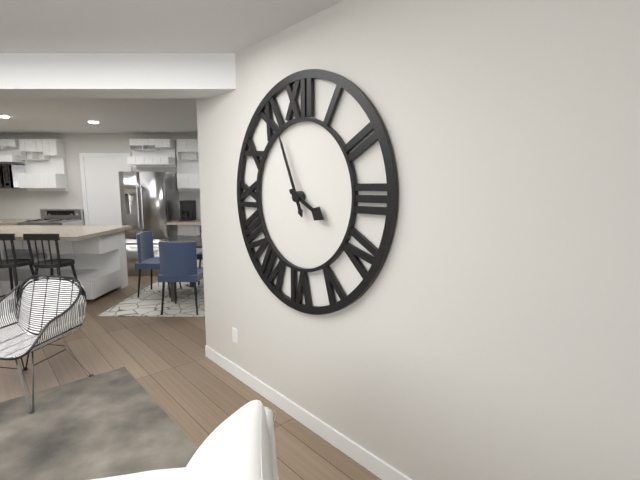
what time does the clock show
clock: 3:56
